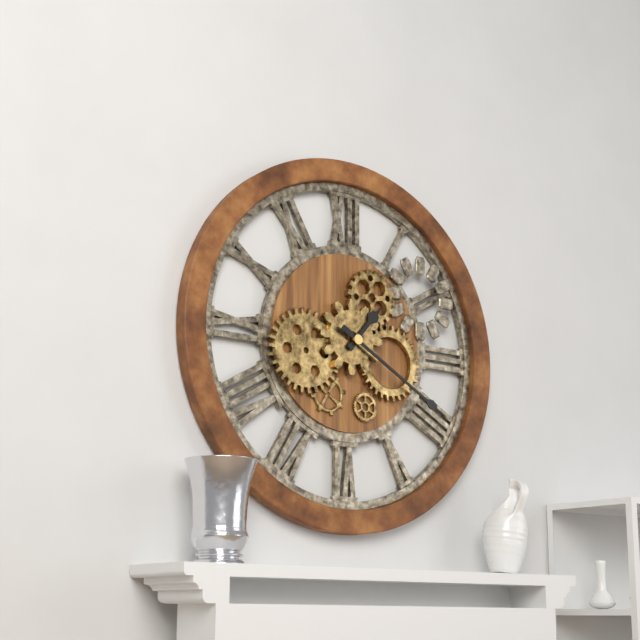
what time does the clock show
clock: 1:20
